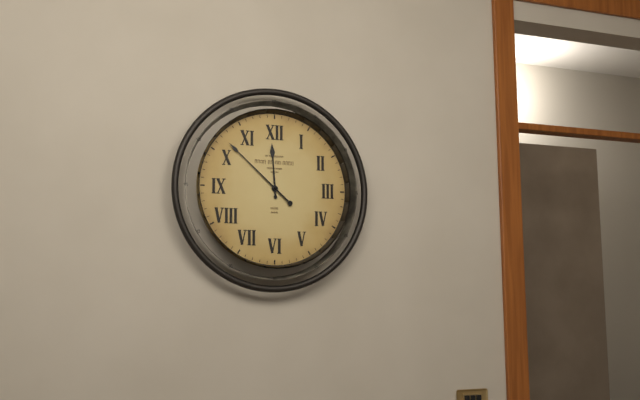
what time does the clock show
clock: 11:52
